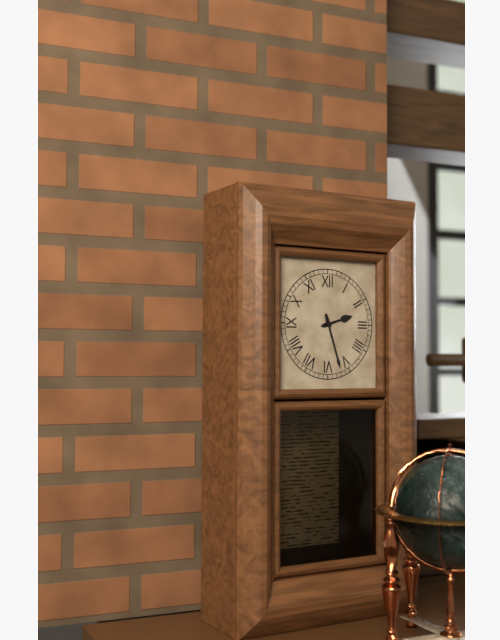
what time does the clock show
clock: 2:27
